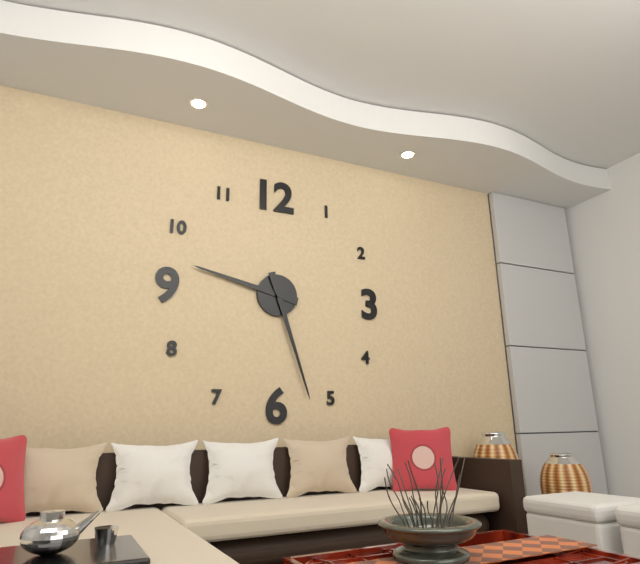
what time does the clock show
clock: 9:27
